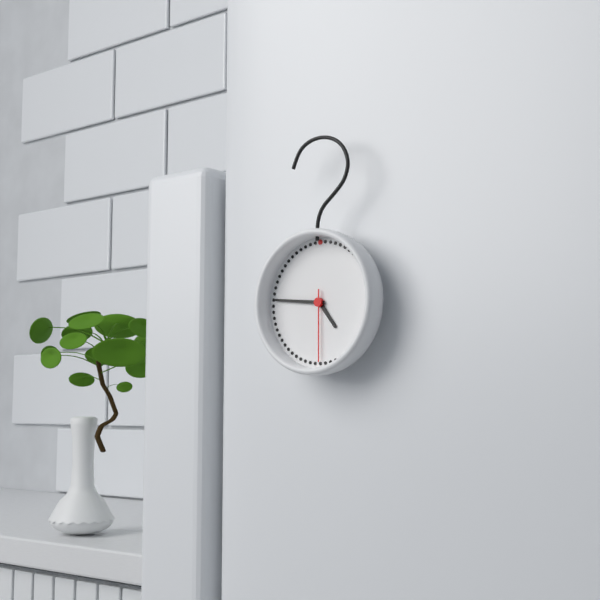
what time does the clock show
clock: 4:46:30
